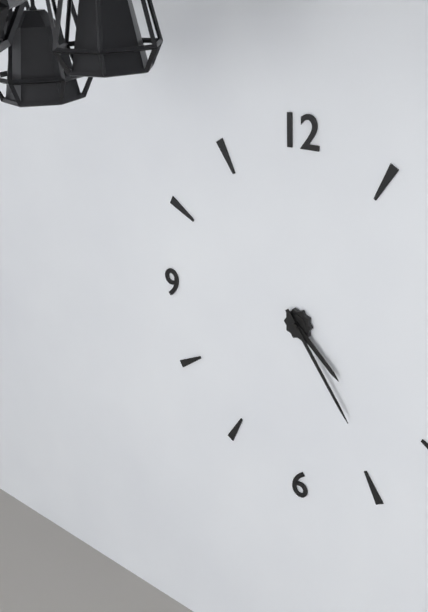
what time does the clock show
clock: 4:24
